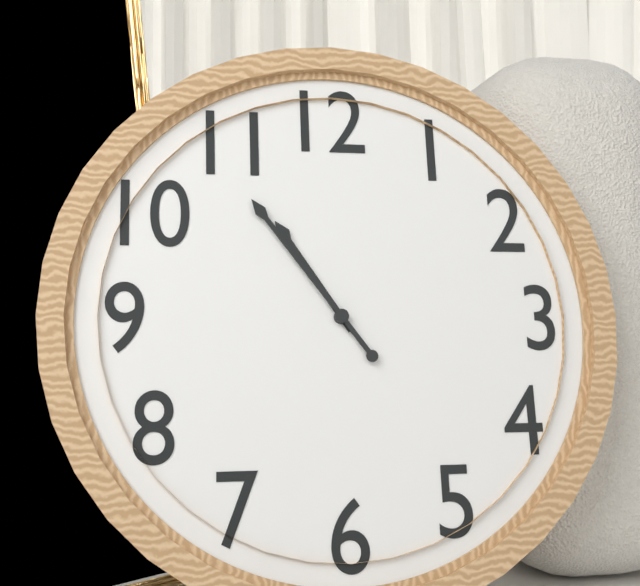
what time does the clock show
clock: 10:54
